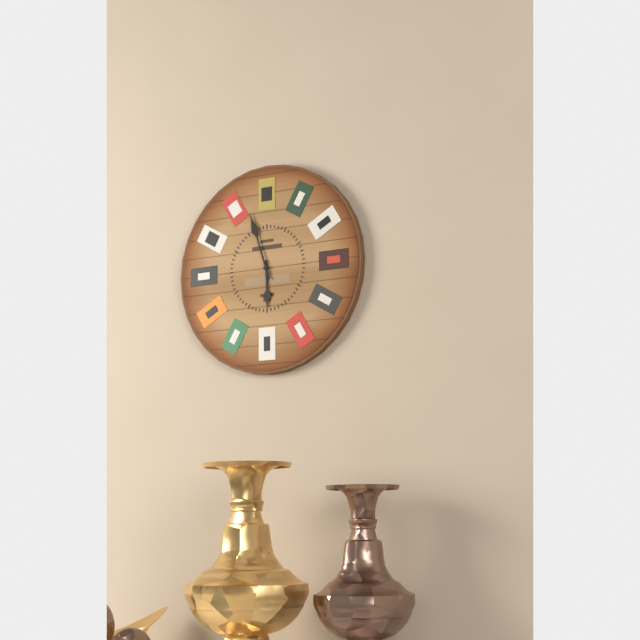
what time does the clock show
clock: 5:57
